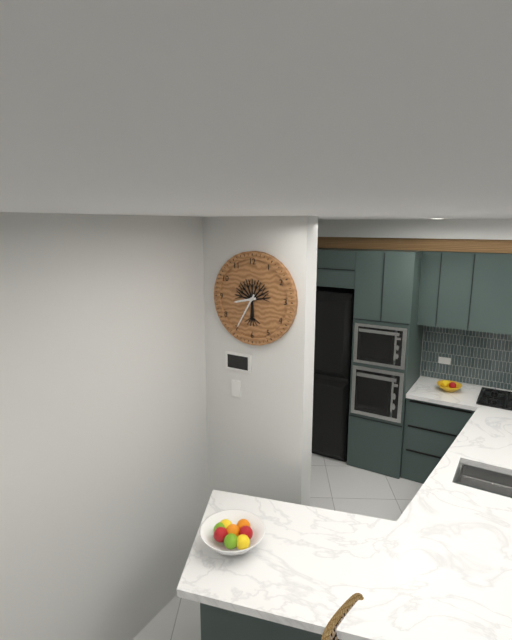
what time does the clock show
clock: 8:35
